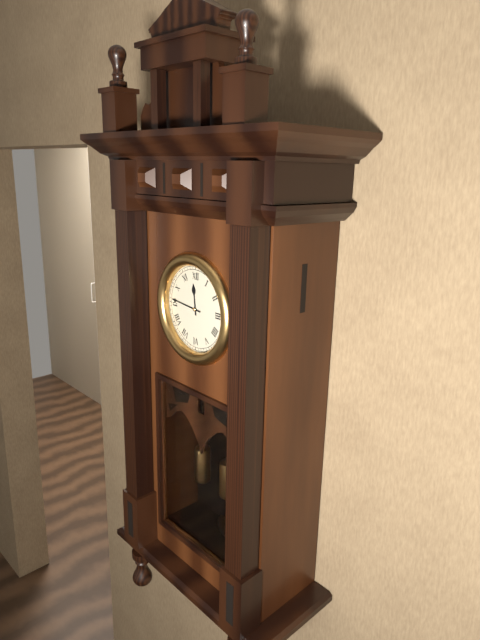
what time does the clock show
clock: 11:46
